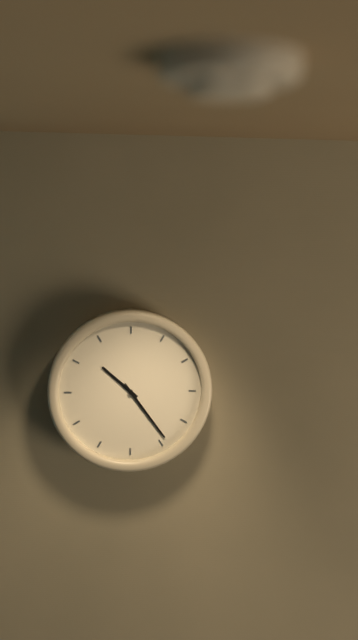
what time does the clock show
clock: 10:24
